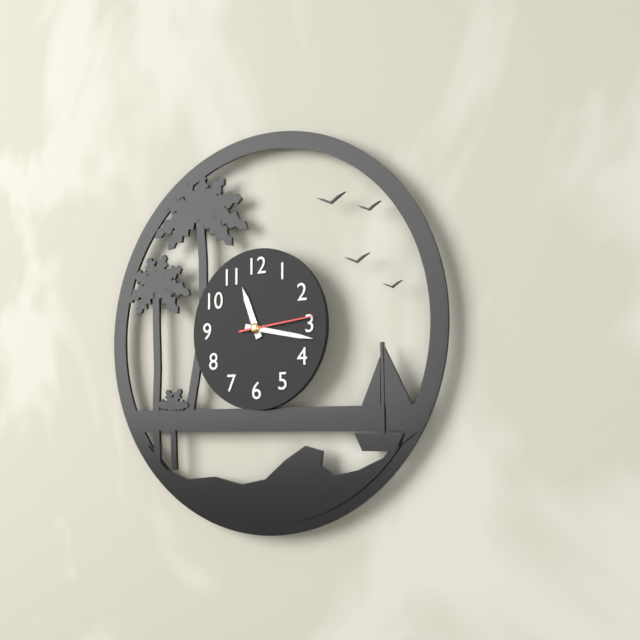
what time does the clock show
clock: 11:17:14
